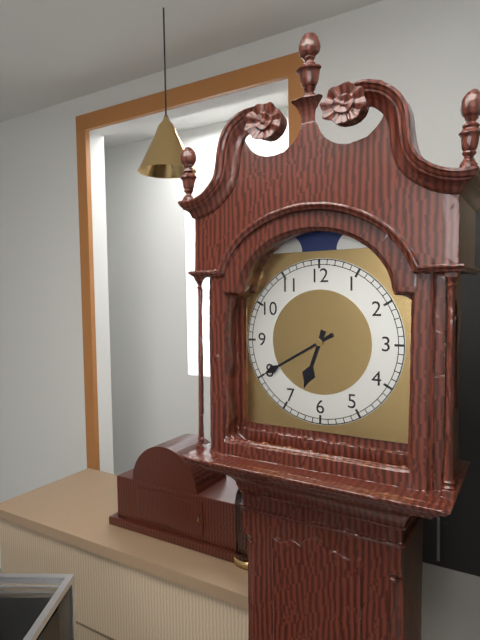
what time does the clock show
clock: 6:40
